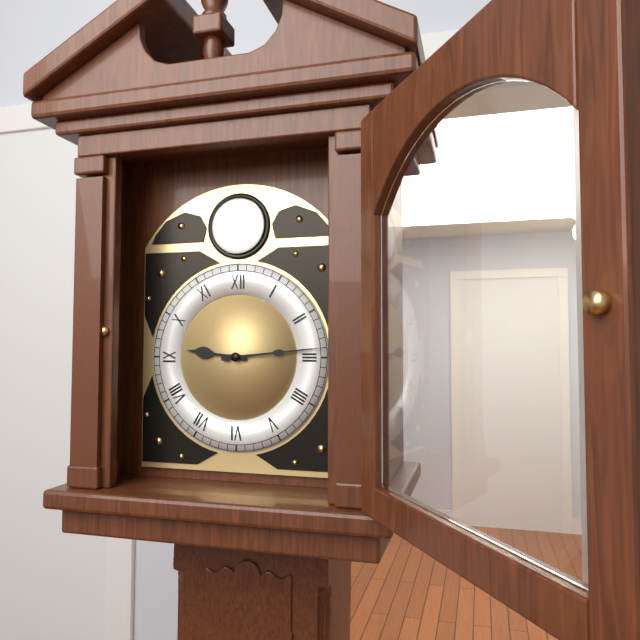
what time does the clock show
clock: 9:14
